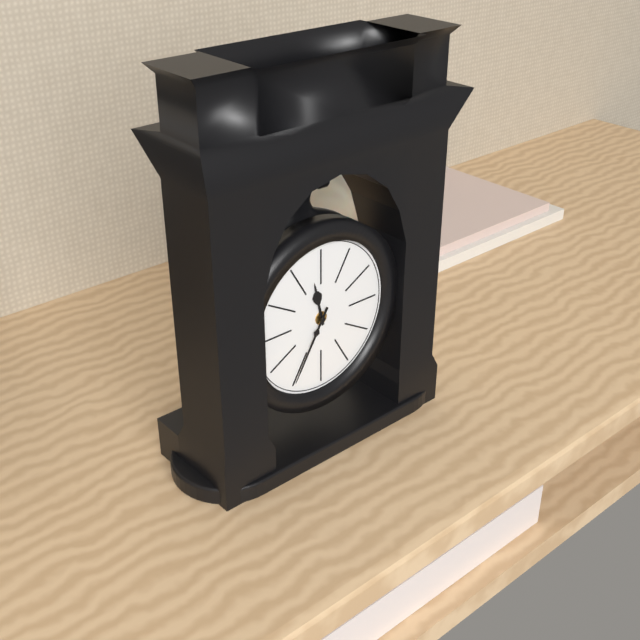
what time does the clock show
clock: 11:35
